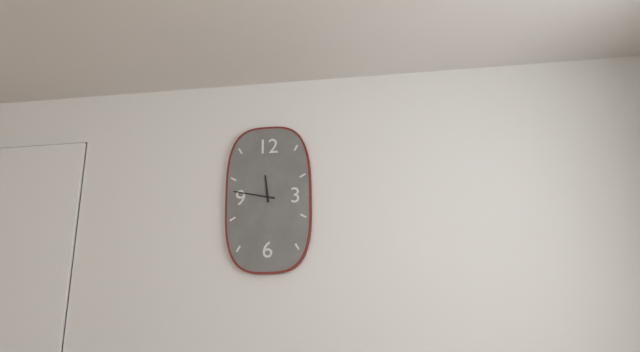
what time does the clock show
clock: 11:47
